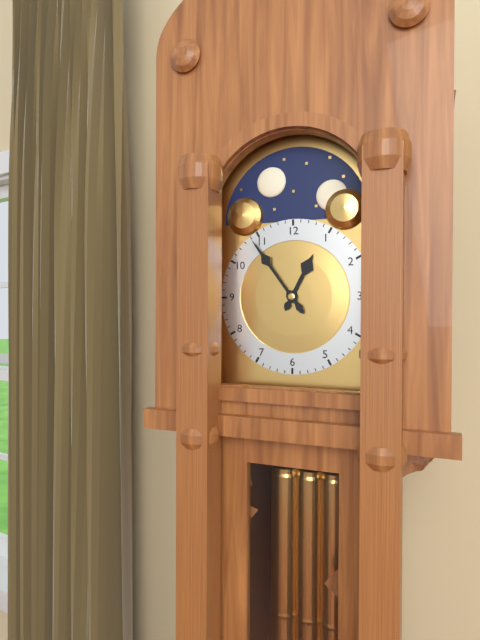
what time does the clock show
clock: 12:54
